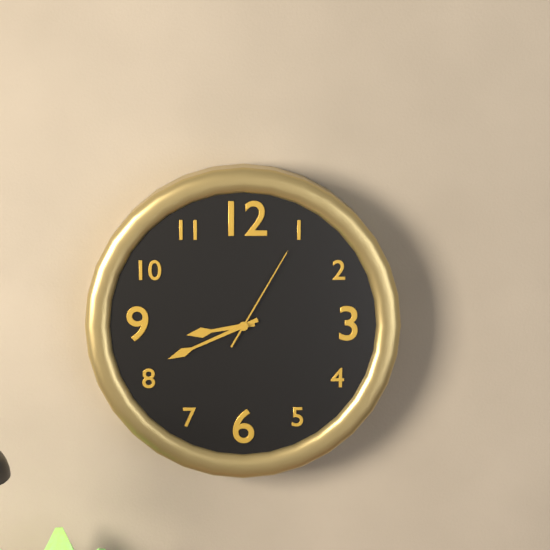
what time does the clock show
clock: 8:41:05
